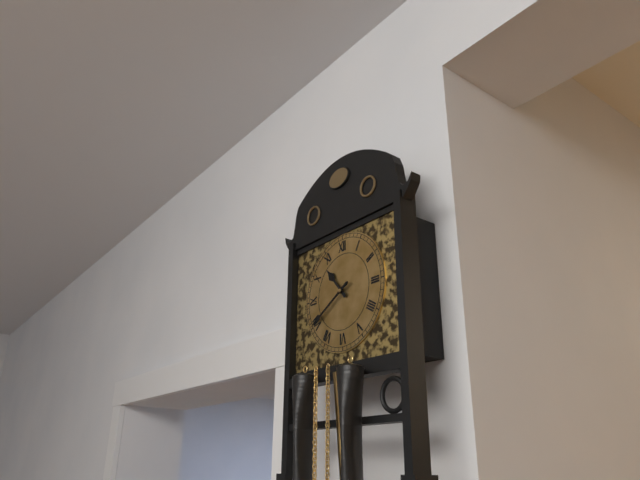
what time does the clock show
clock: 10:40
